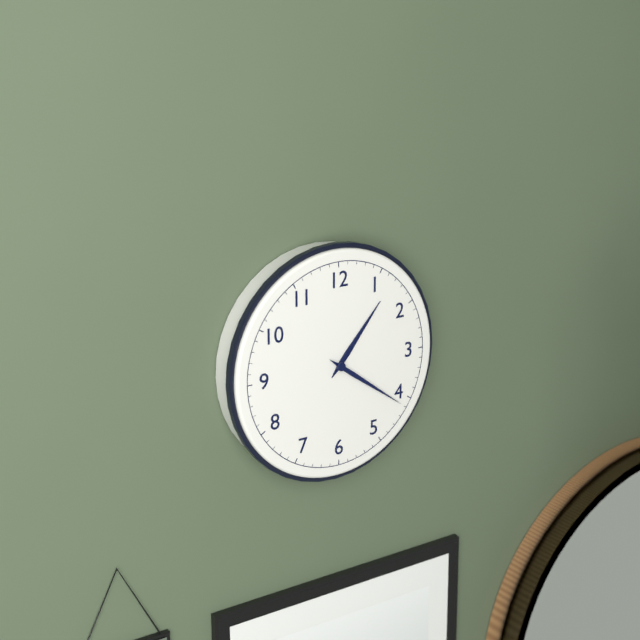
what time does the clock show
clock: 1:21
